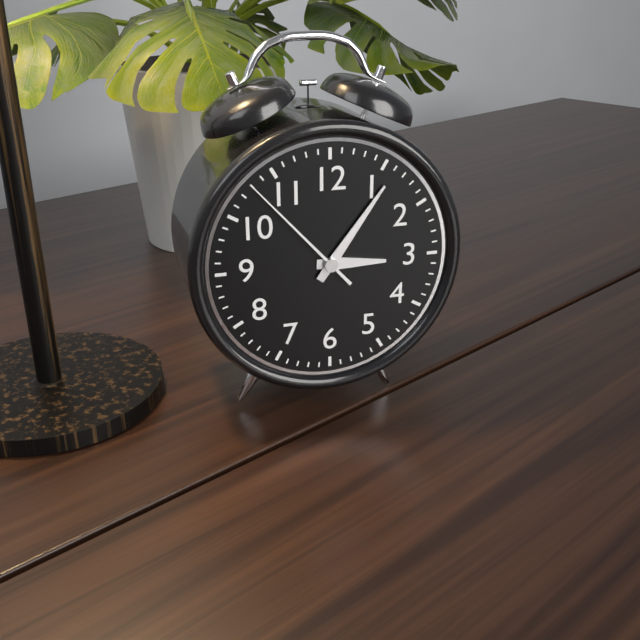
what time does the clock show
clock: 3:06:53
